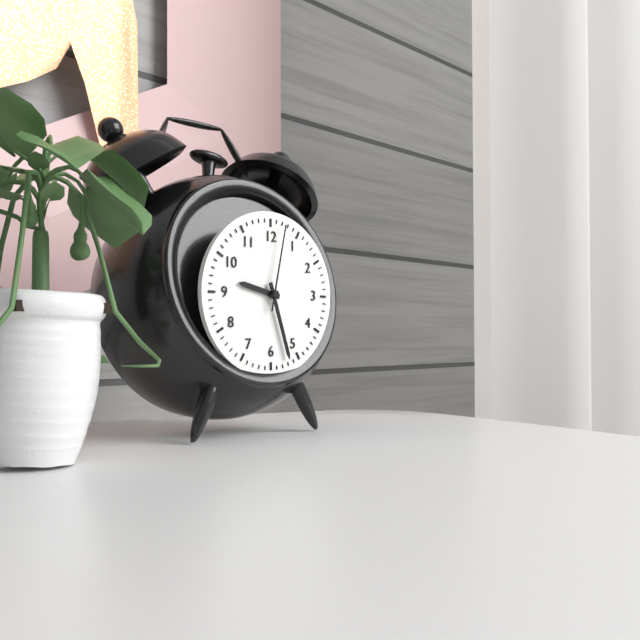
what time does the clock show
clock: 9:27:02
